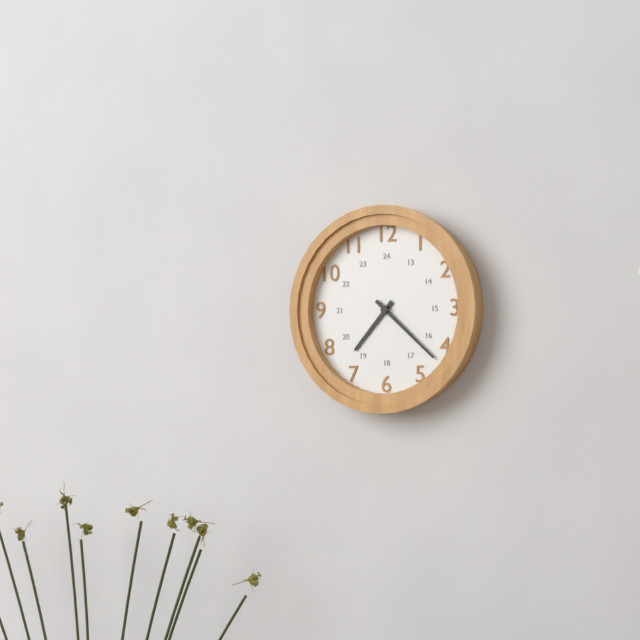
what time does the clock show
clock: 7:22
